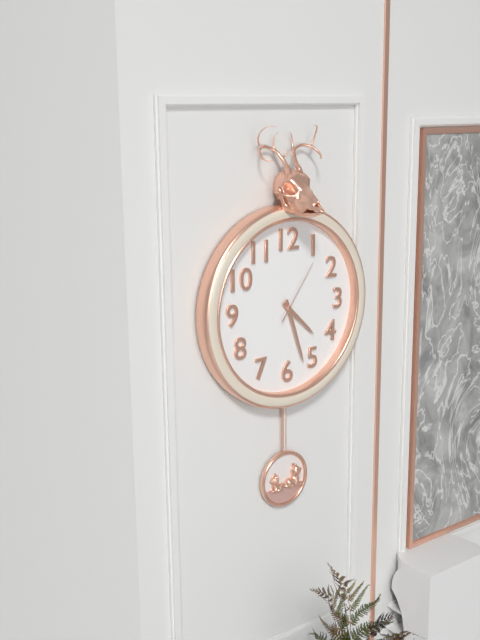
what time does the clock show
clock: 4:27:06
